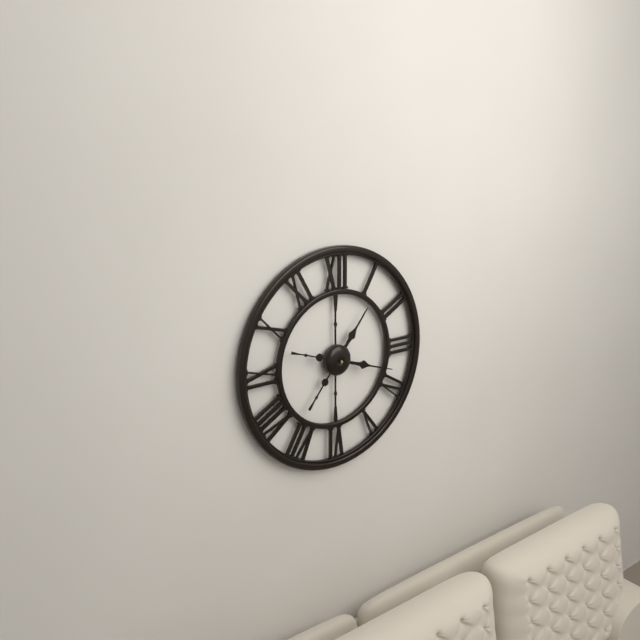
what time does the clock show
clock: 1:18
